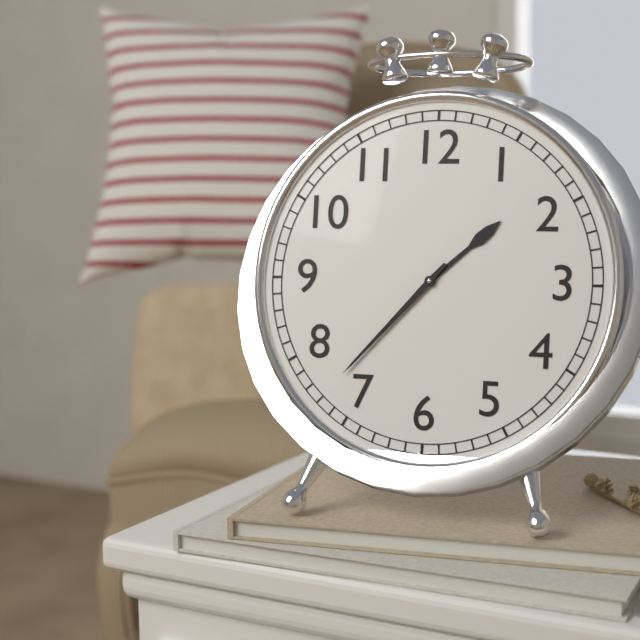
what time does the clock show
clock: 1:37
